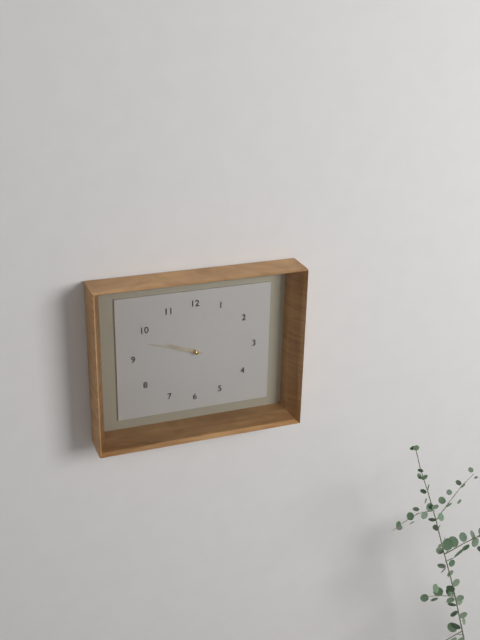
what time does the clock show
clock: 9:48
